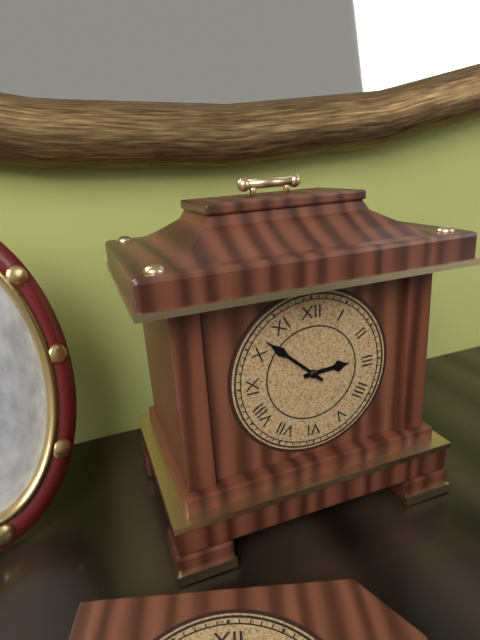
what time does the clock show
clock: 2:52
